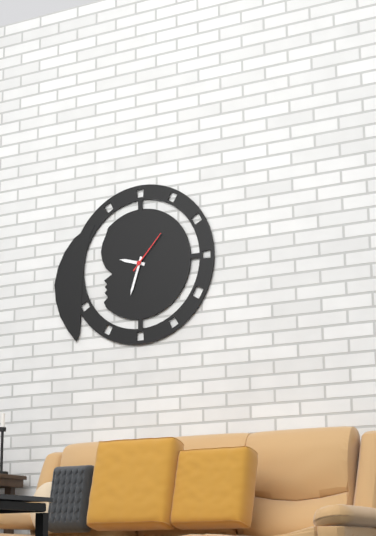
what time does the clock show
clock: 9:33
